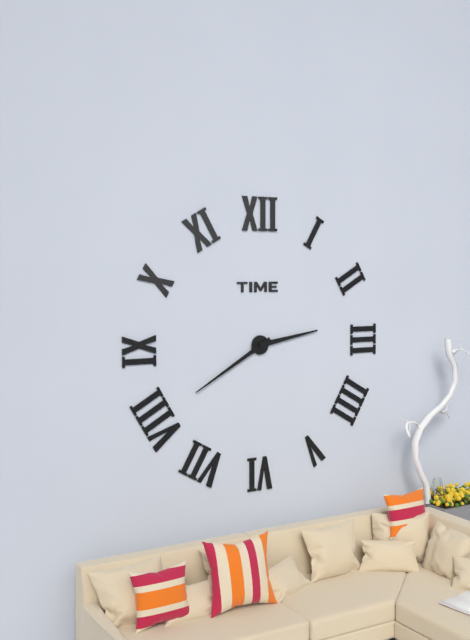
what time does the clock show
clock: 2:40
